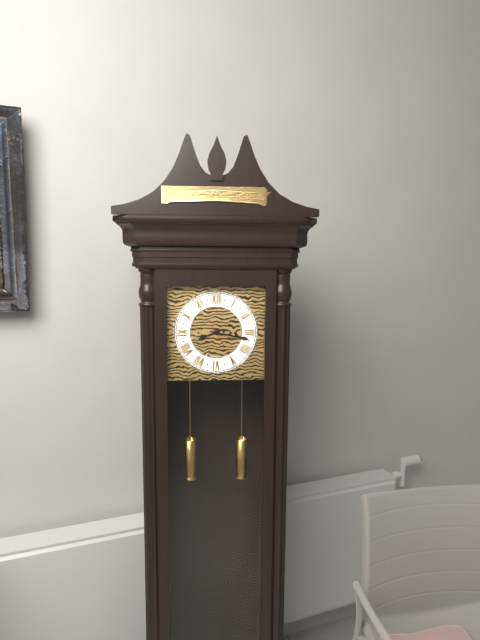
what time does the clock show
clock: 8:17
